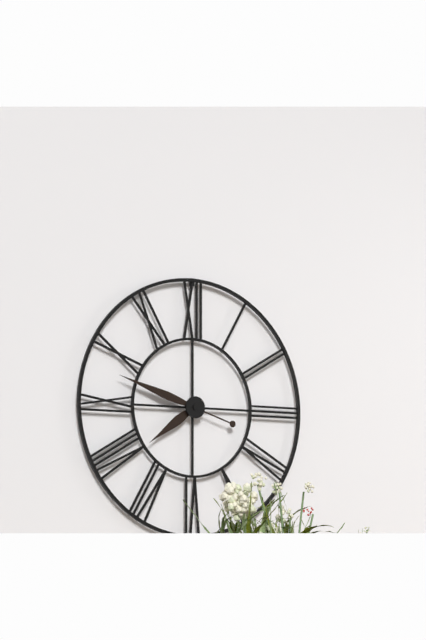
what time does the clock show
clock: 7:48
